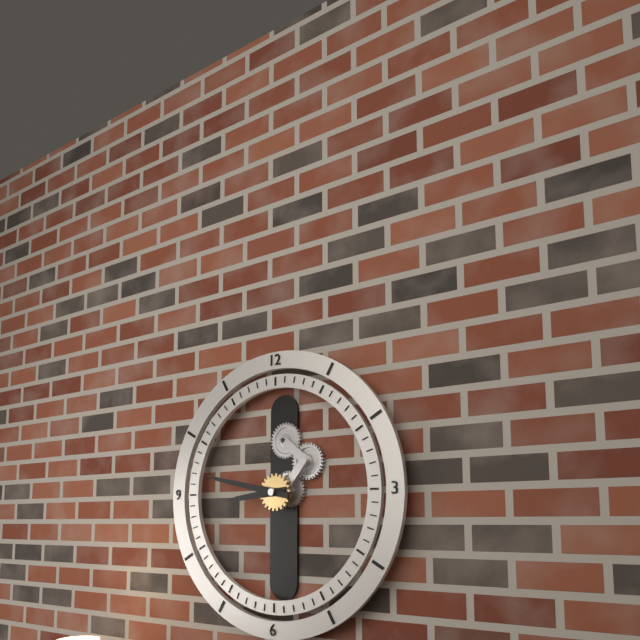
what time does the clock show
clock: 8:47
